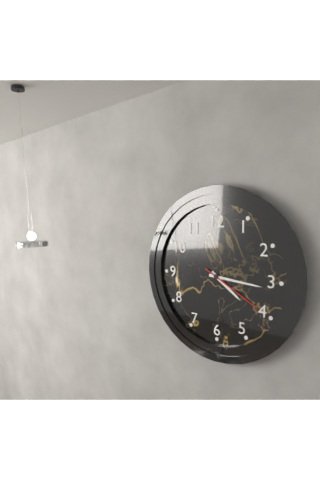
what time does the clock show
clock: 4:16:20
